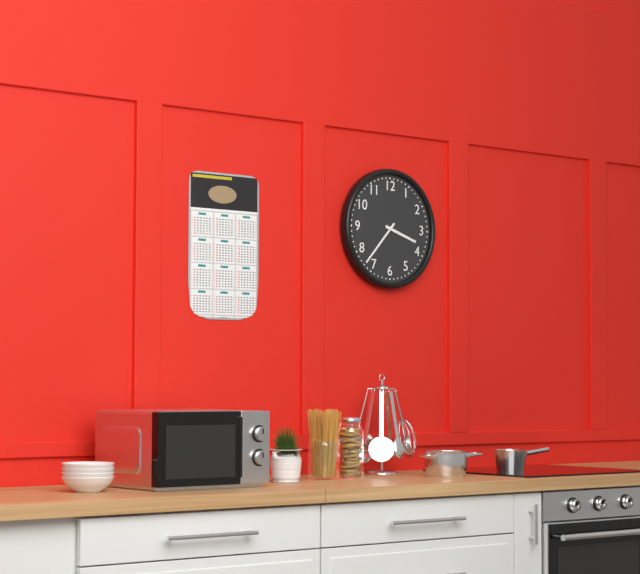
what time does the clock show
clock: 3:37
